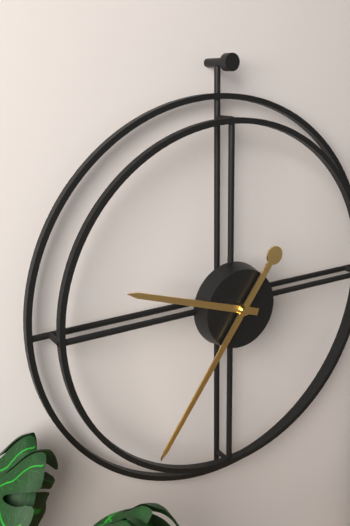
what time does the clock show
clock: 9:36
